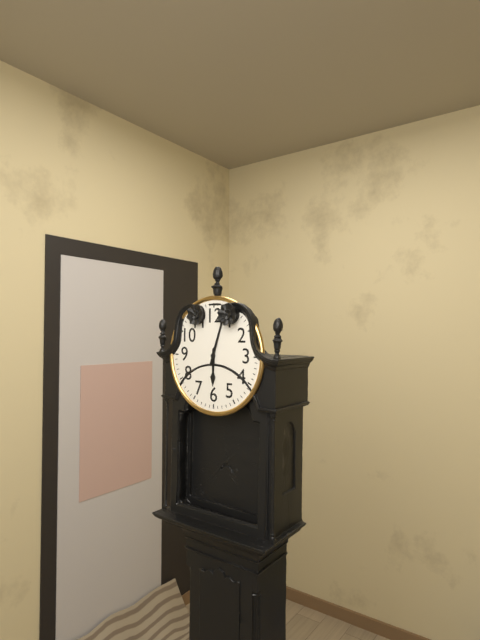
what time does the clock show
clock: 6:03
